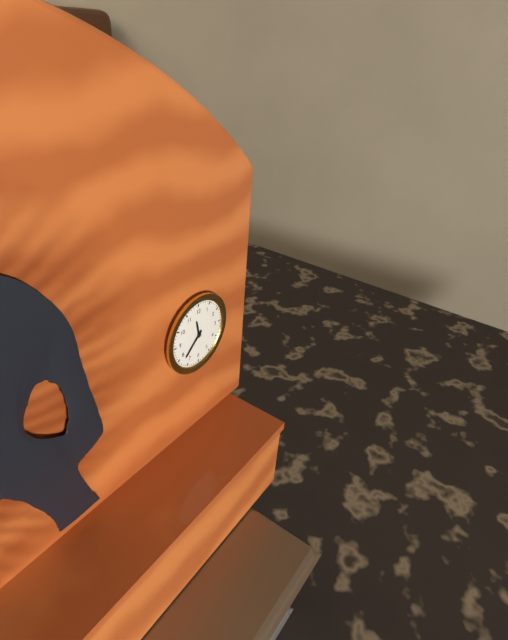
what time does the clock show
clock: 11:38
